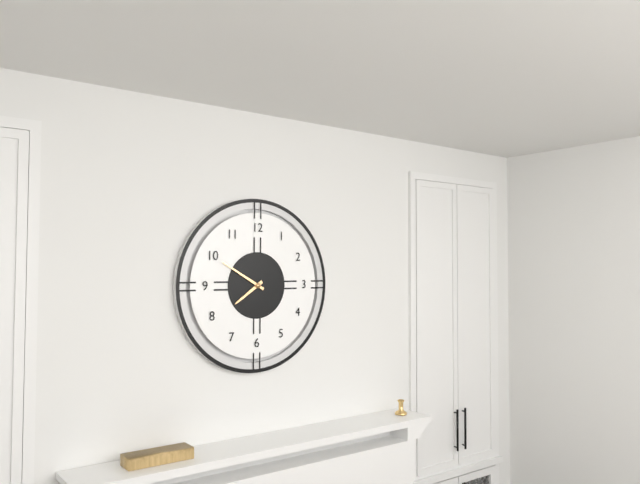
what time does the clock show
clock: 7:50
